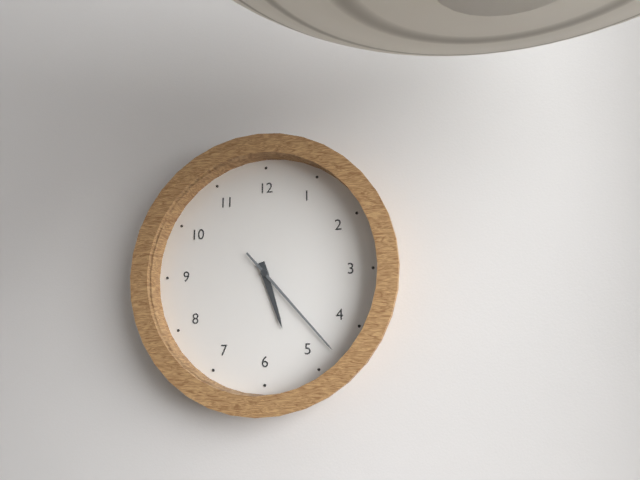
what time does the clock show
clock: 5:23
